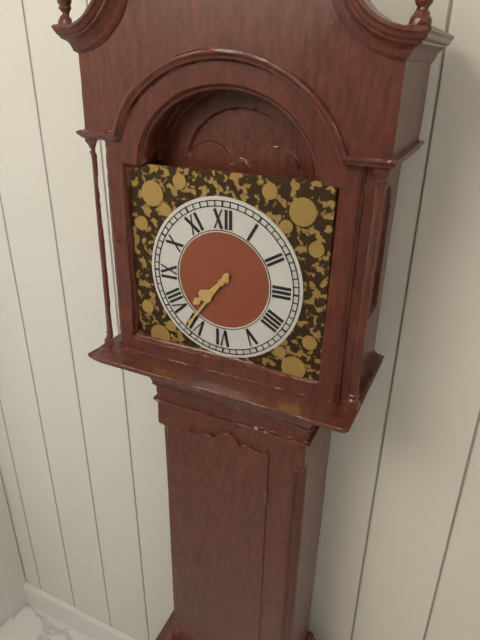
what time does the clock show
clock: 7:36
